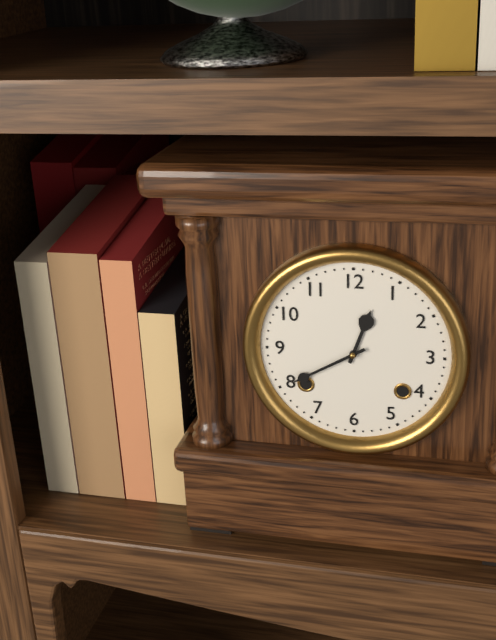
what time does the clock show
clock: 12:40
